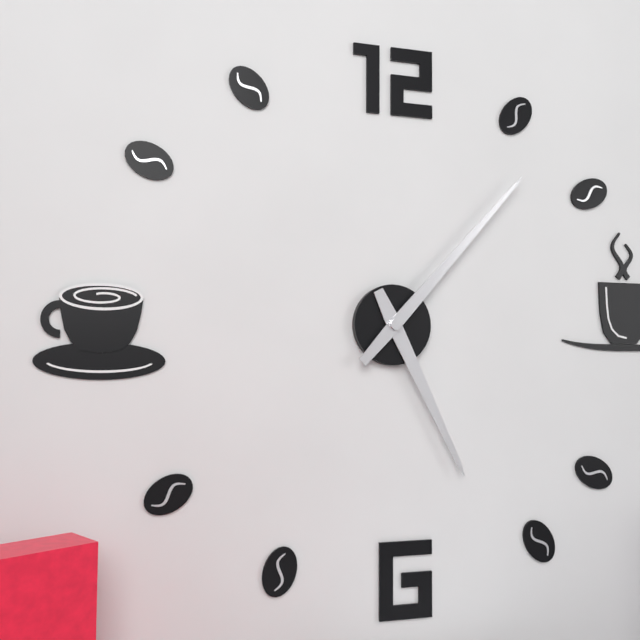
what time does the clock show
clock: 5:07
